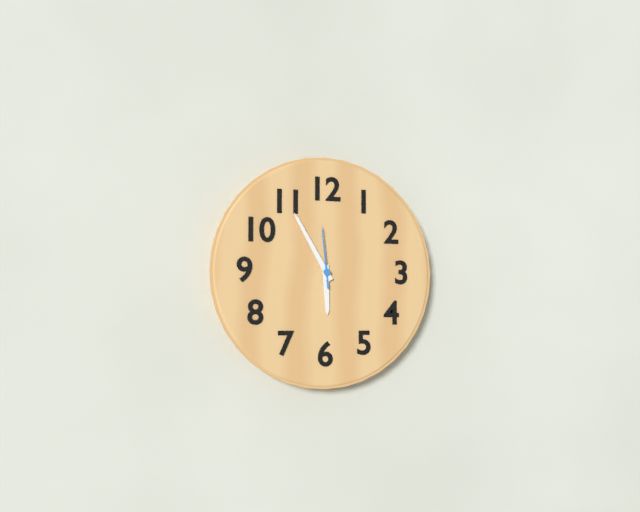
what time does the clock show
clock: 5:55:59
